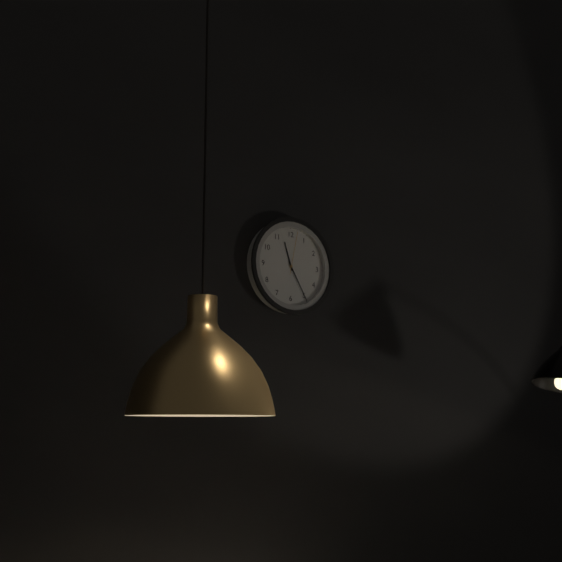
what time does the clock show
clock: 11:25
